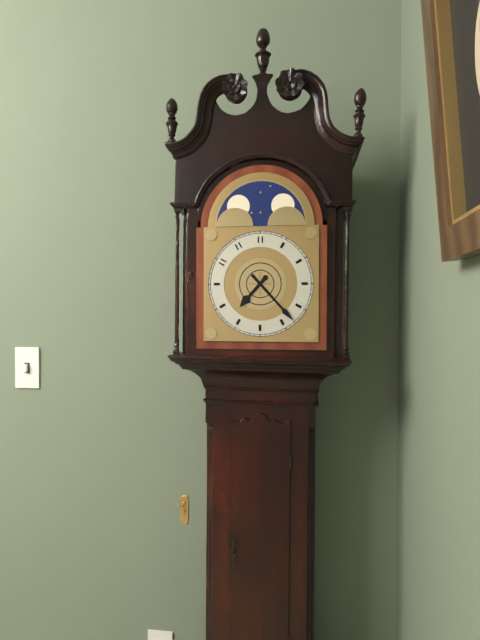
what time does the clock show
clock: 7:23
